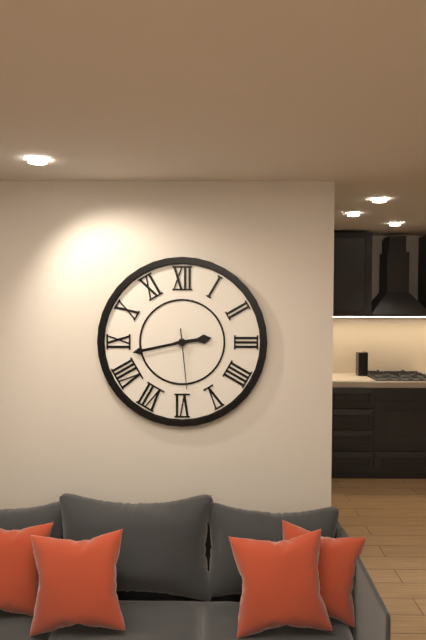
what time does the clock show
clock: 2:43:29
